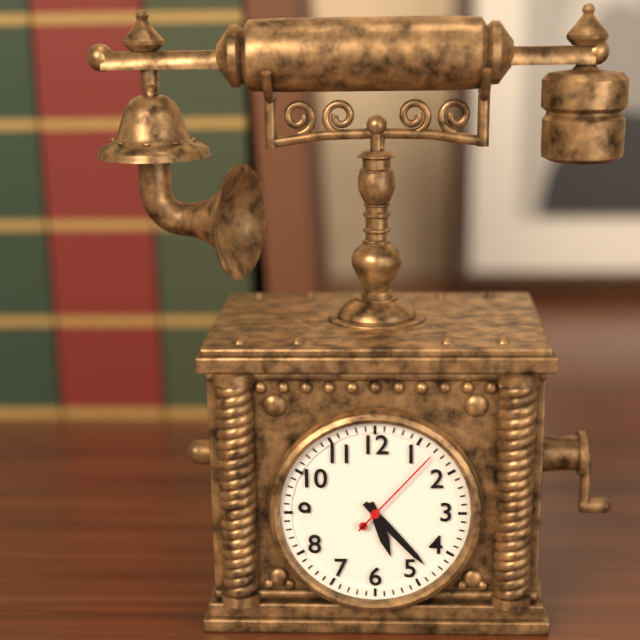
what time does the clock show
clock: 5:23:07
